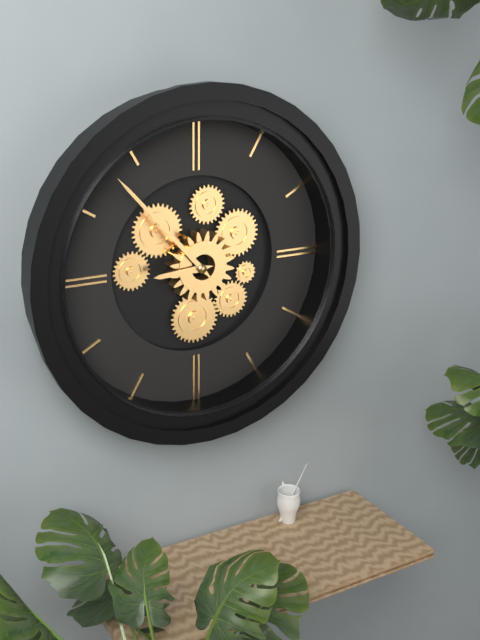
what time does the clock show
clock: 8:53
